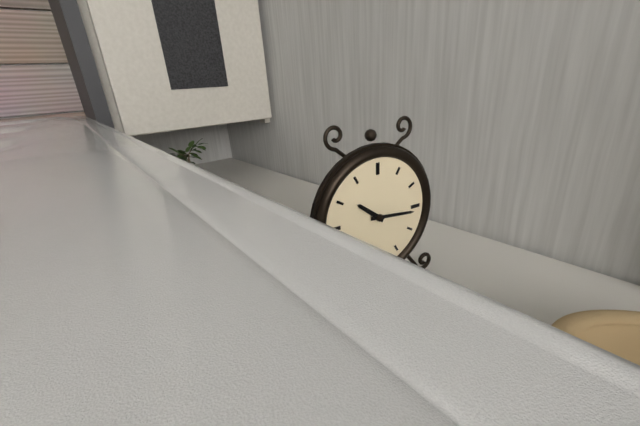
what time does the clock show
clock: 10:16
